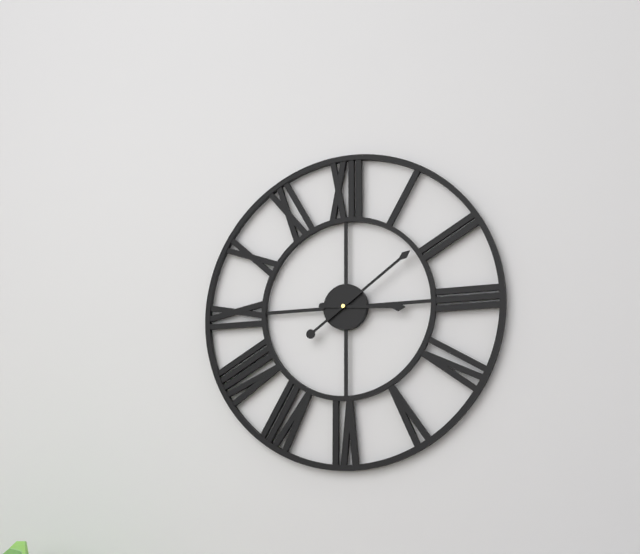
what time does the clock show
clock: 3:09
